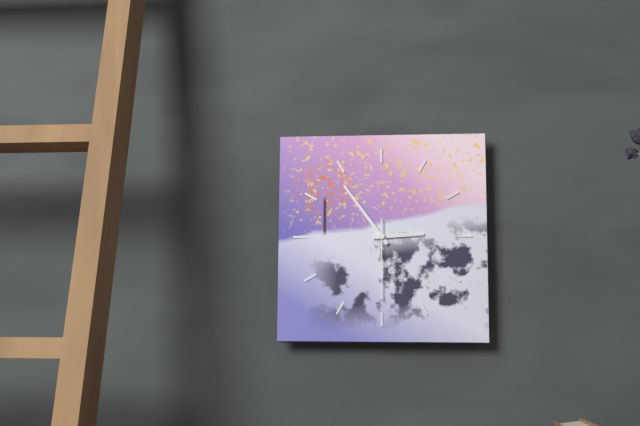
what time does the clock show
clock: 2:54:30
